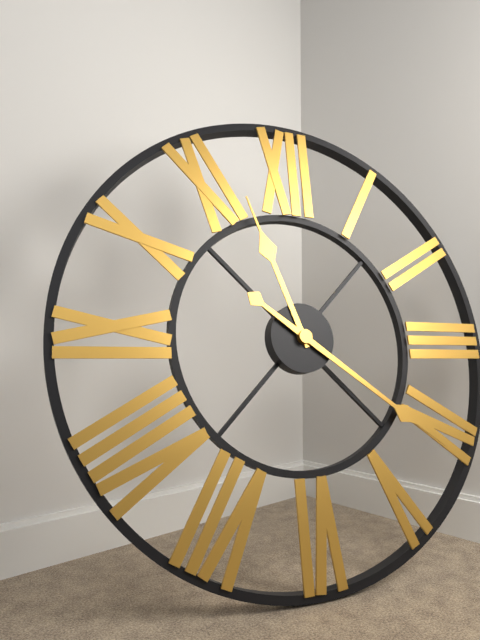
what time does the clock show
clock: 11:21
